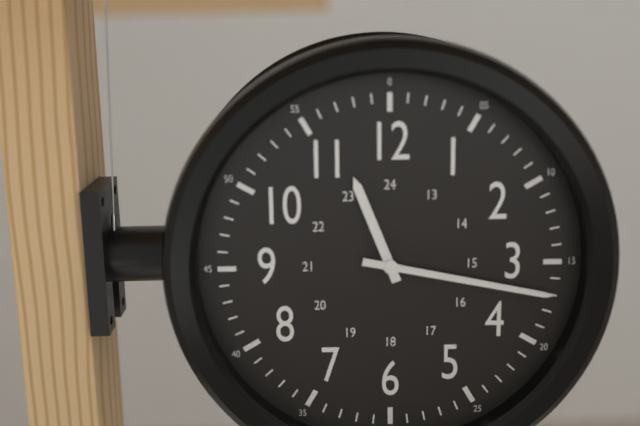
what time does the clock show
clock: 11:17
